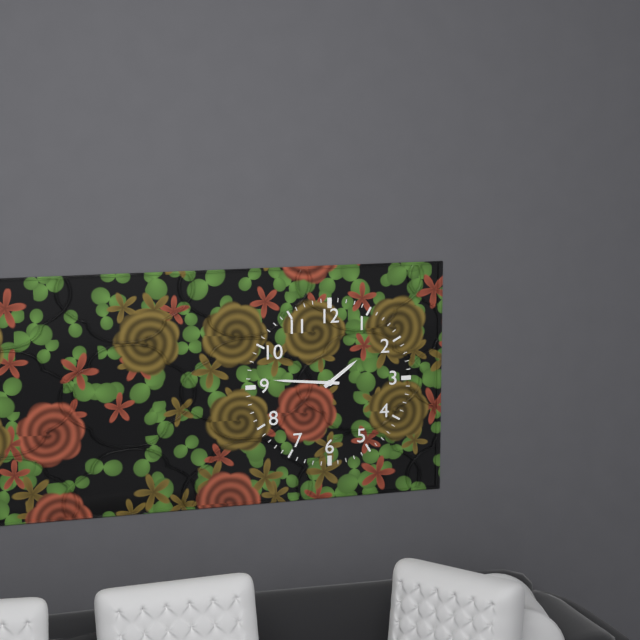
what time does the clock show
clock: 1:46
